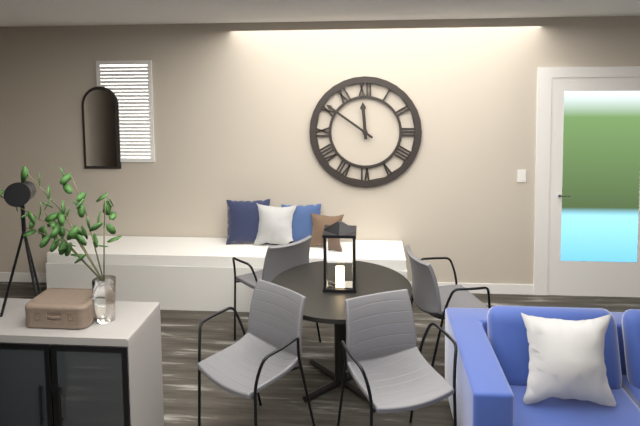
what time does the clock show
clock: 11:51
